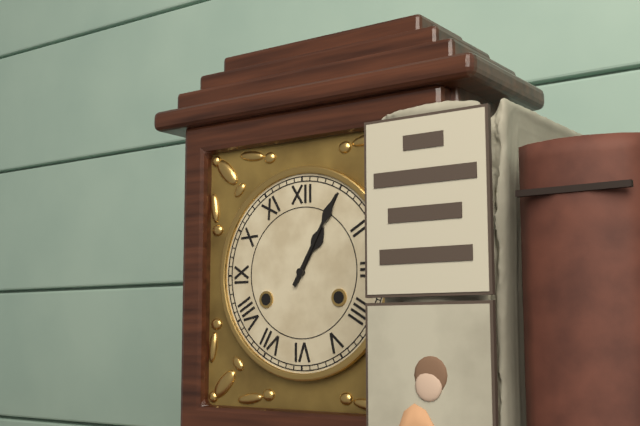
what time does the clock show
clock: 1:05
